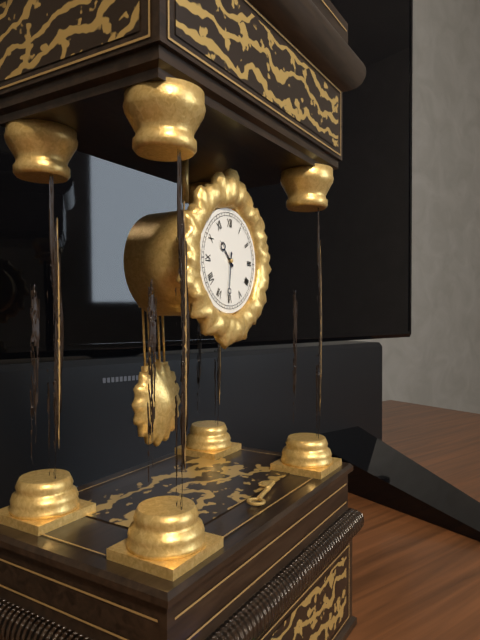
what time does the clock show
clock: 10:31
